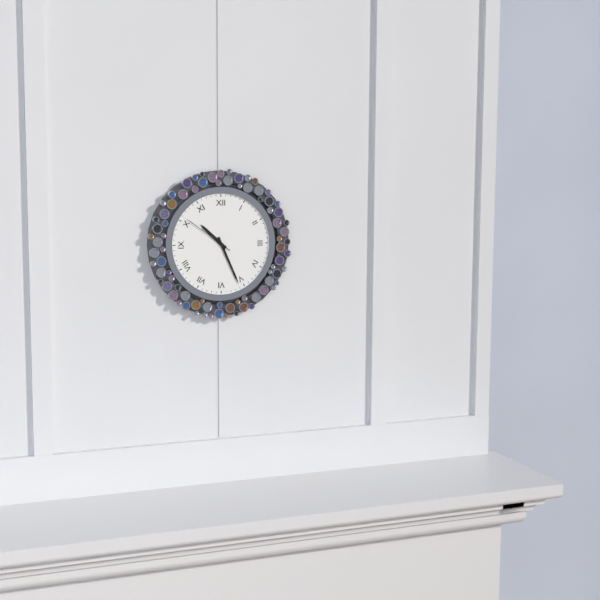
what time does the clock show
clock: 10:26:51
